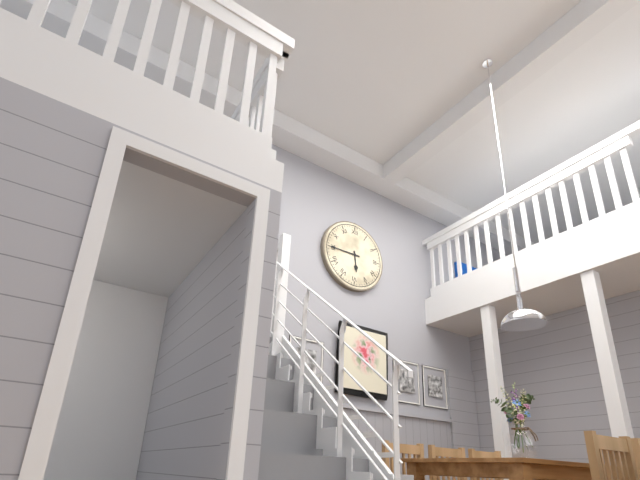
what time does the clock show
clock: 5:45
